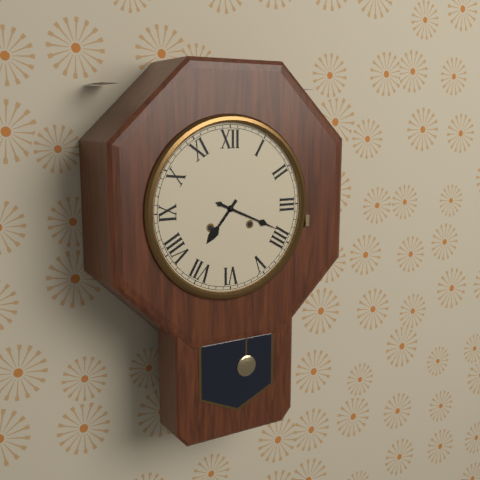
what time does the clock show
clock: 7:19
